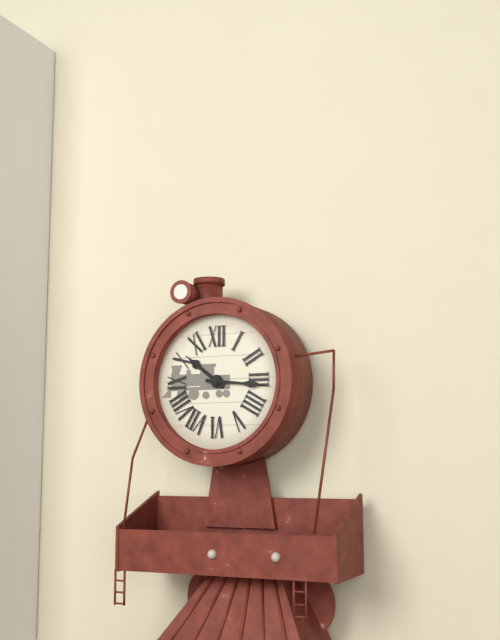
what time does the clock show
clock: 10:16
